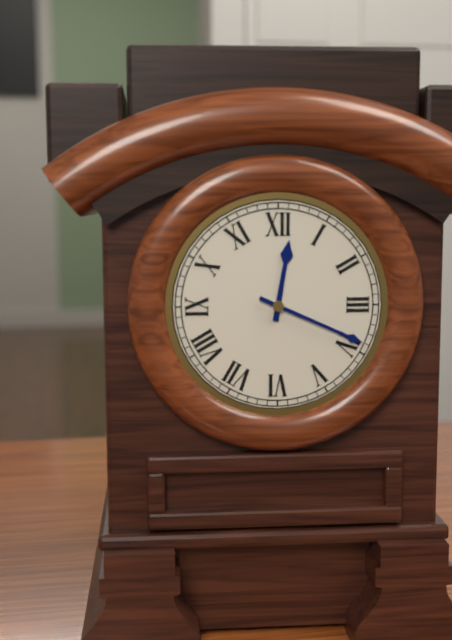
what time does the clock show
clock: 12:19
